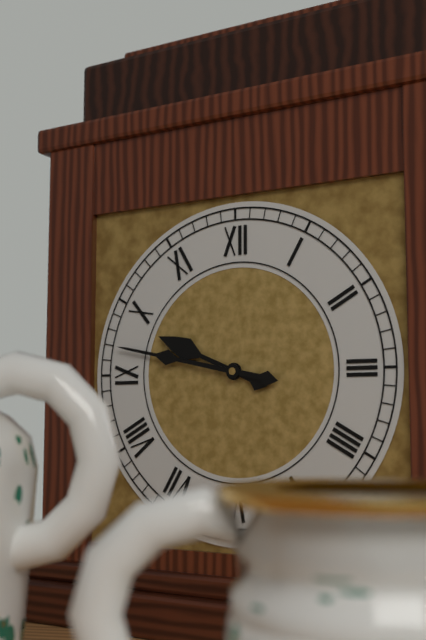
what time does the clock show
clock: 9:47
